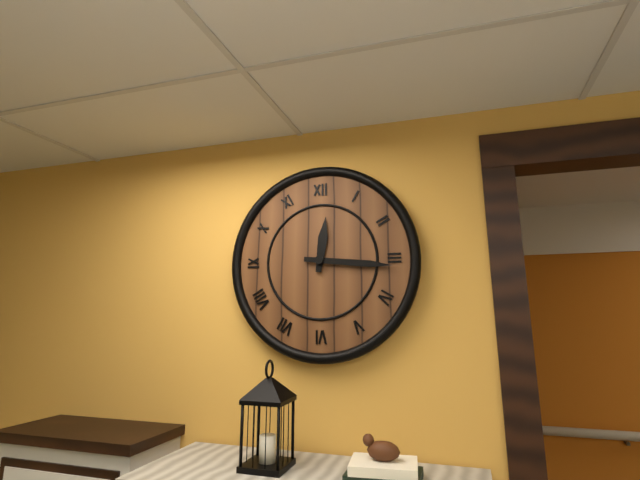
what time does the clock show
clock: 12:16
